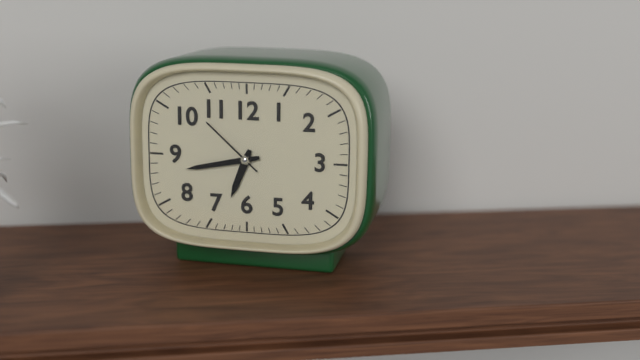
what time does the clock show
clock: 6:43:52
